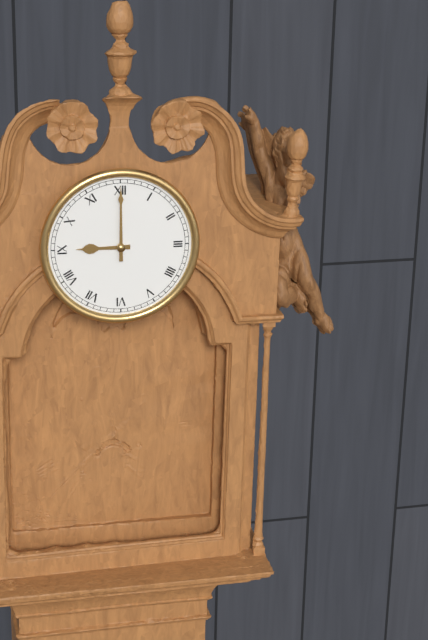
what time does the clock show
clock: 9:00
